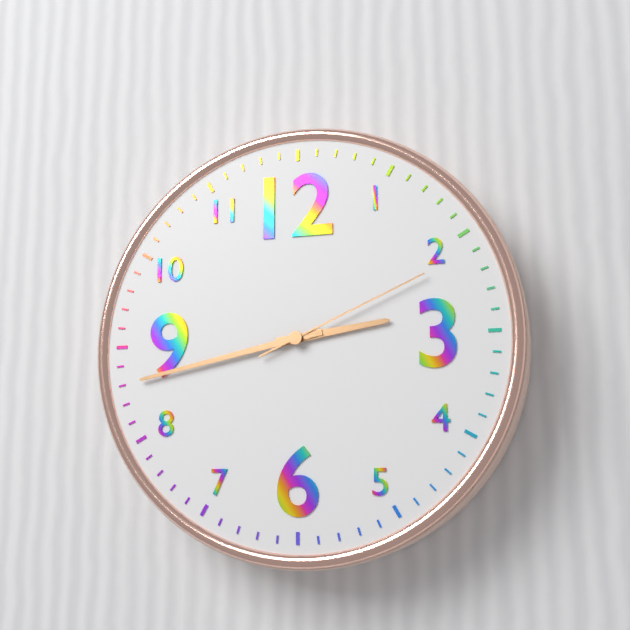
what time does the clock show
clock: 2:43:11
